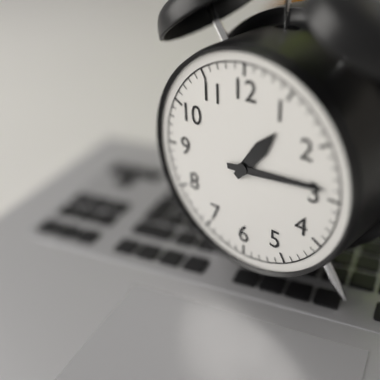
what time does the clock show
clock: 1:14
